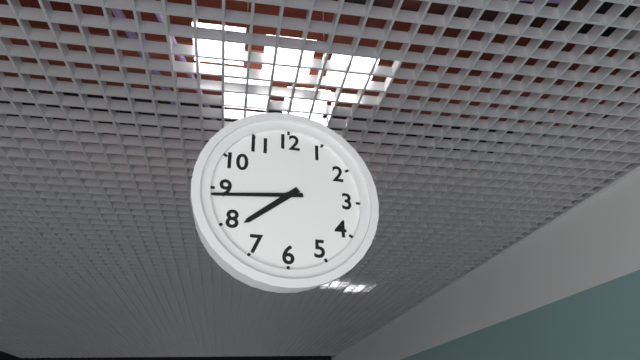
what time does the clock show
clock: 7:44
